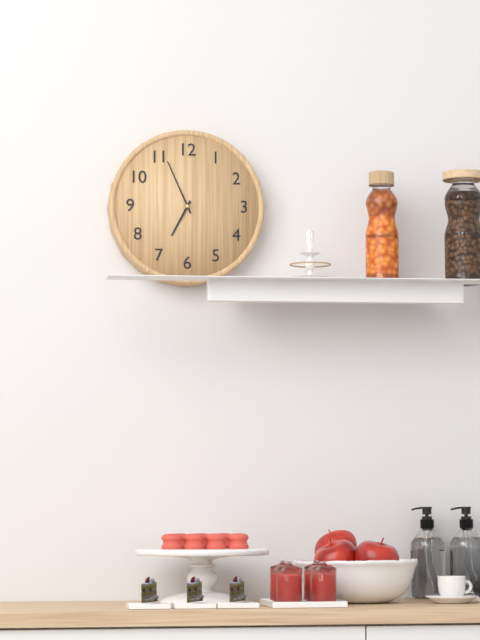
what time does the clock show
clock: 6:56
